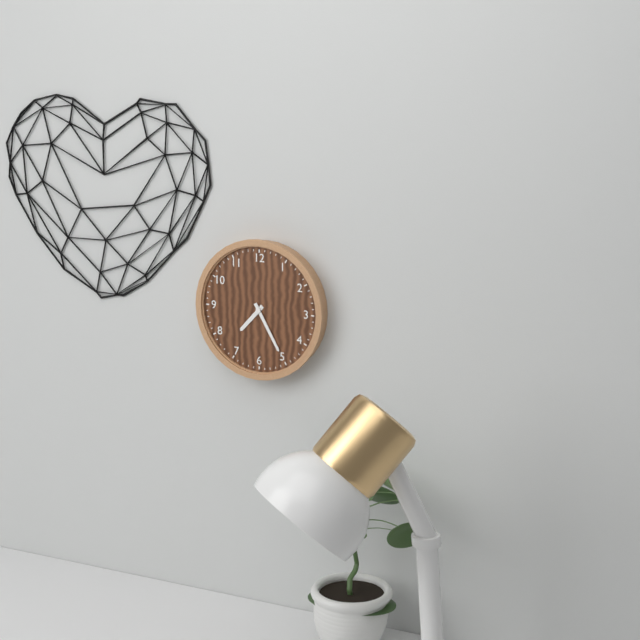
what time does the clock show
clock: 7:25
